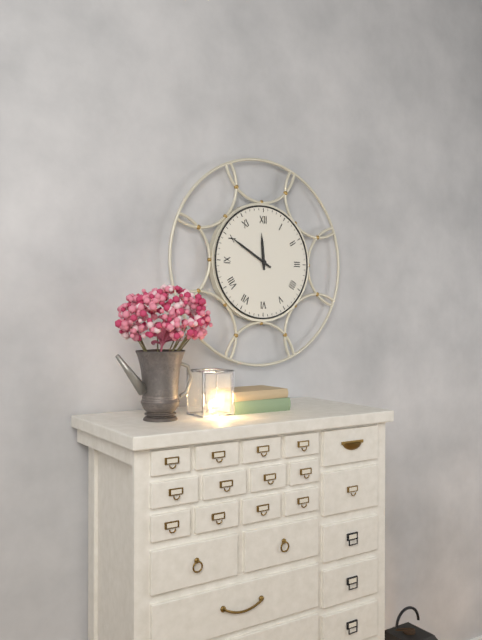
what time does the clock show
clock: 11:50
